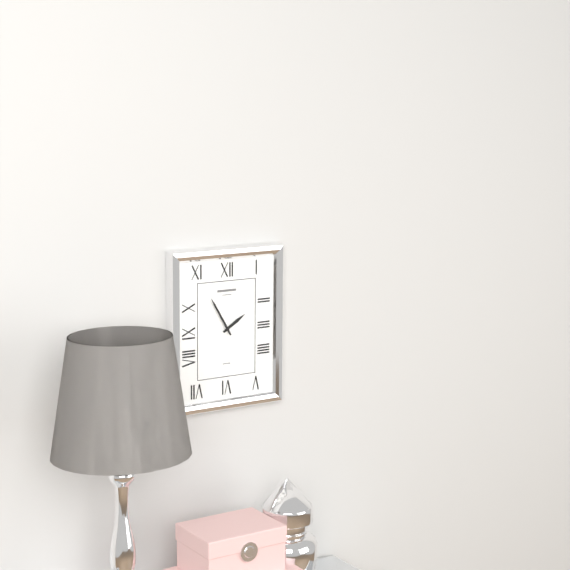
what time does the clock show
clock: 1:55
